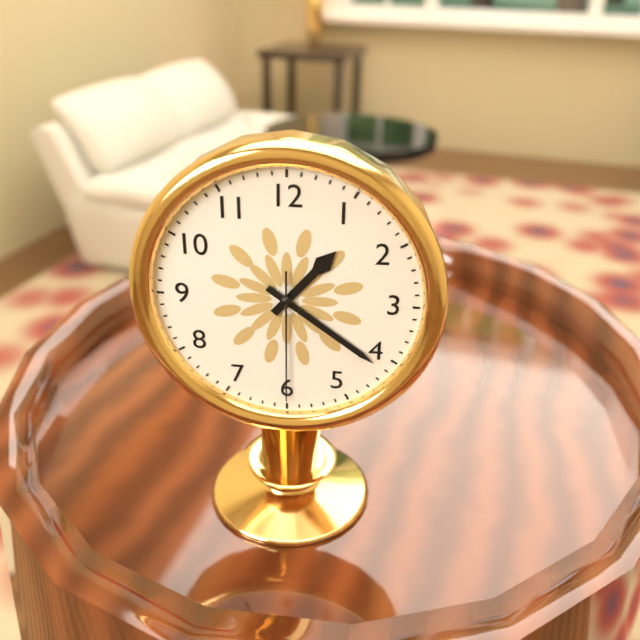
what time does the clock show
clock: 1:21:30
